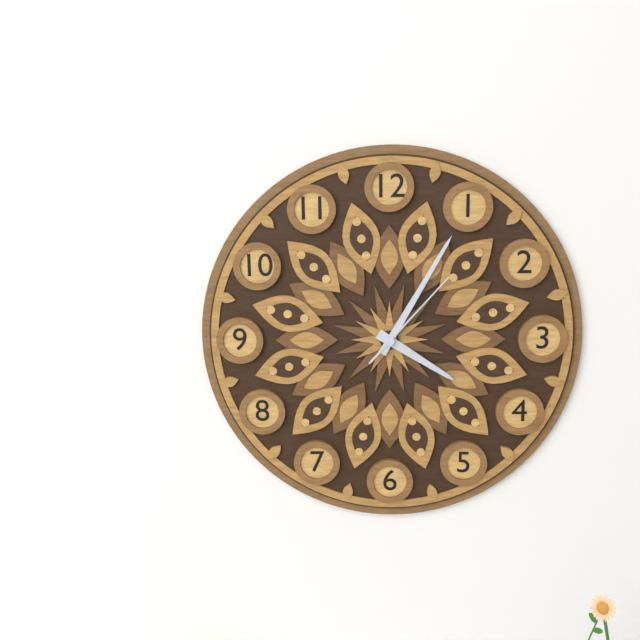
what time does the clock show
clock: 4:05:07
